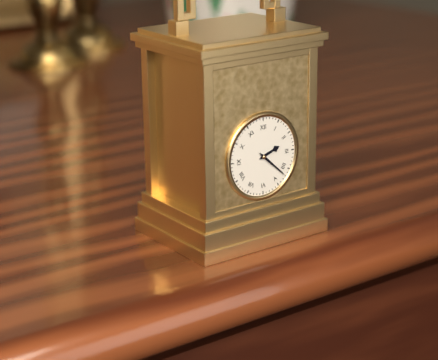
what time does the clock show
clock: 2:22
